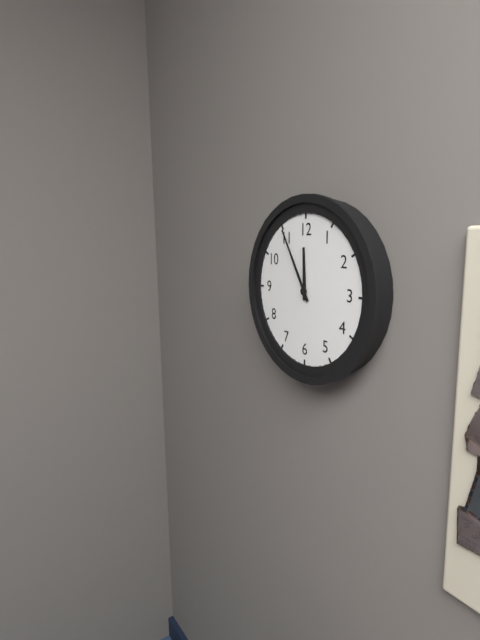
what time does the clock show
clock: 11:55
